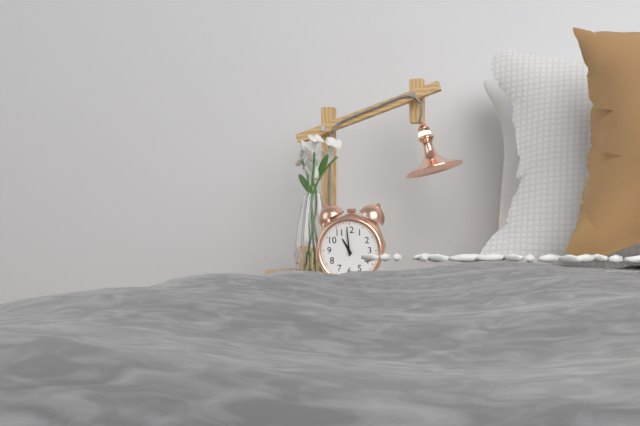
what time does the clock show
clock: 10:59
